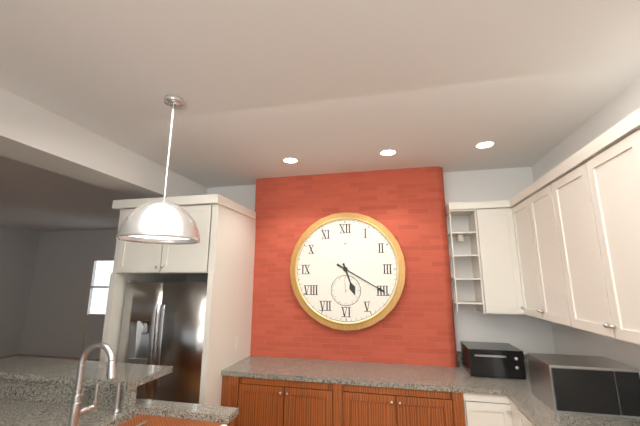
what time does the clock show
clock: 5:20
